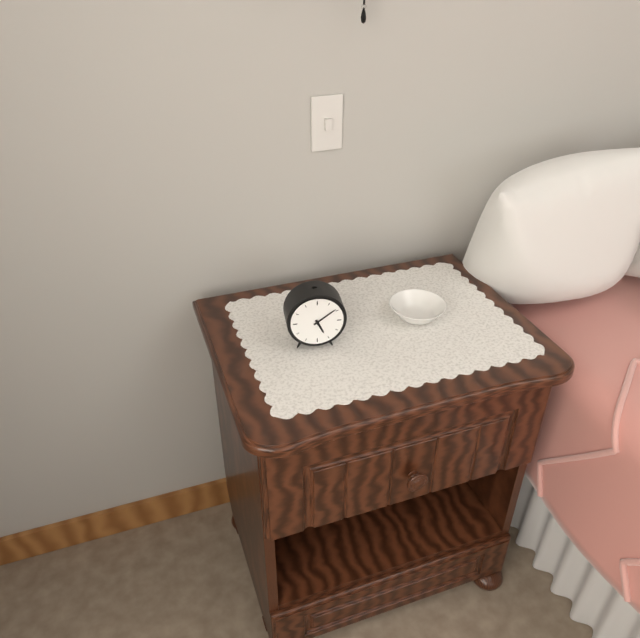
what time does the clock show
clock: 5:09
